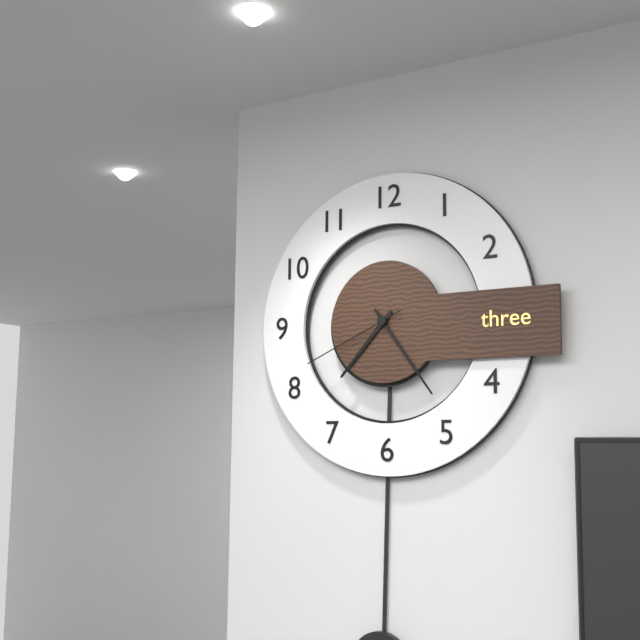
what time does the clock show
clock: 7:24:41
